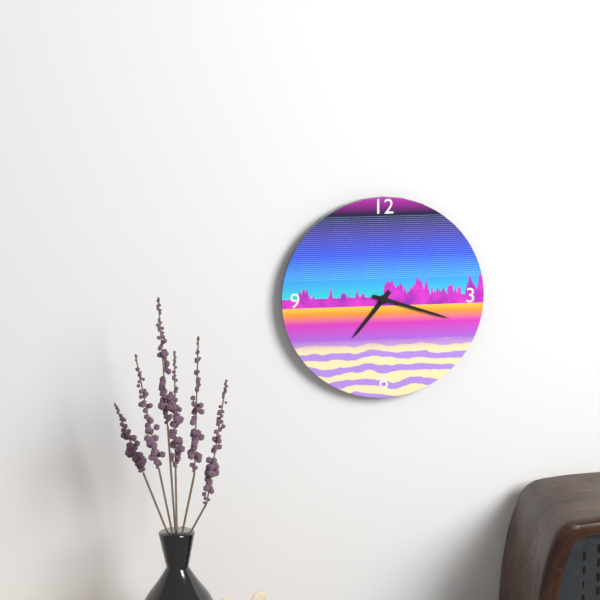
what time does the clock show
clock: 7:18
